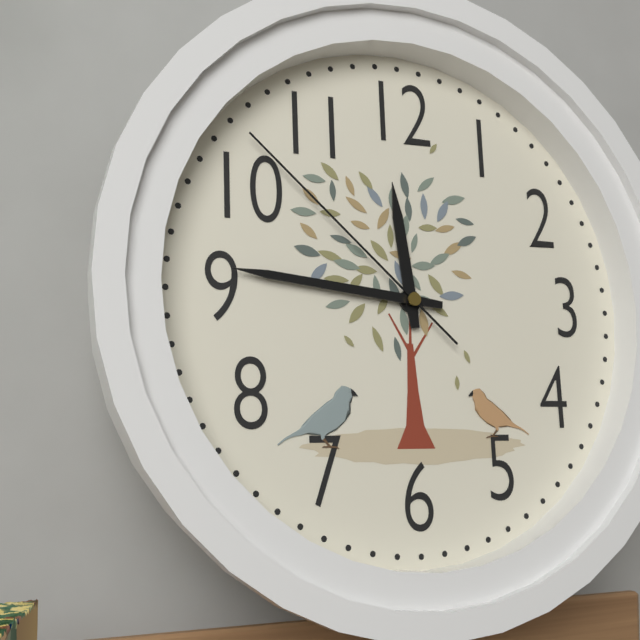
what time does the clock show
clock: 11:46:52
